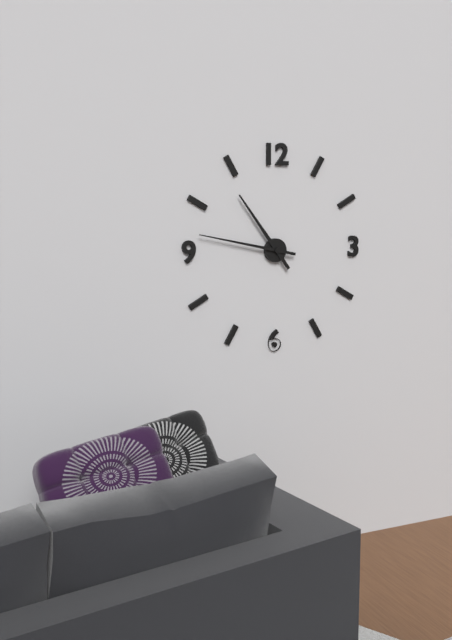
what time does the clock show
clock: 10:47
